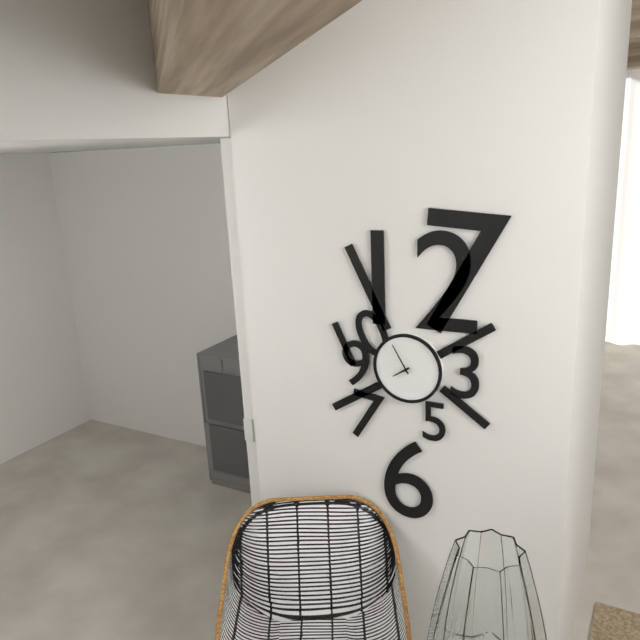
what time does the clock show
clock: 7:55
